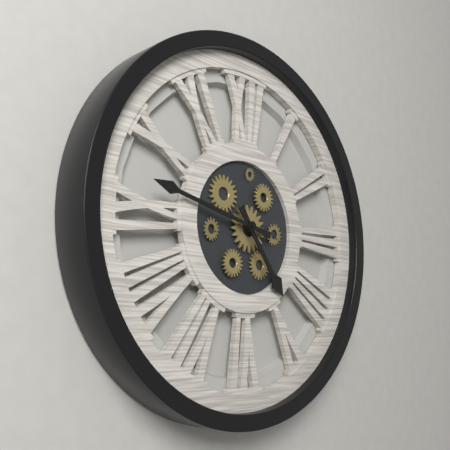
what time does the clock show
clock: 4:47
